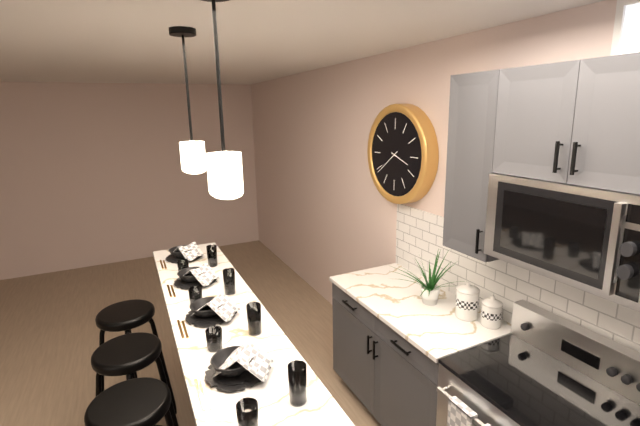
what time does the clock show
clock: 3:39
